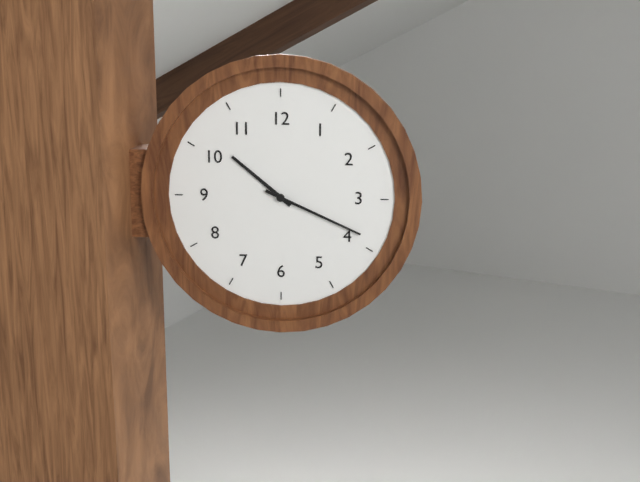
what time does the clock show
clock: 10:19
